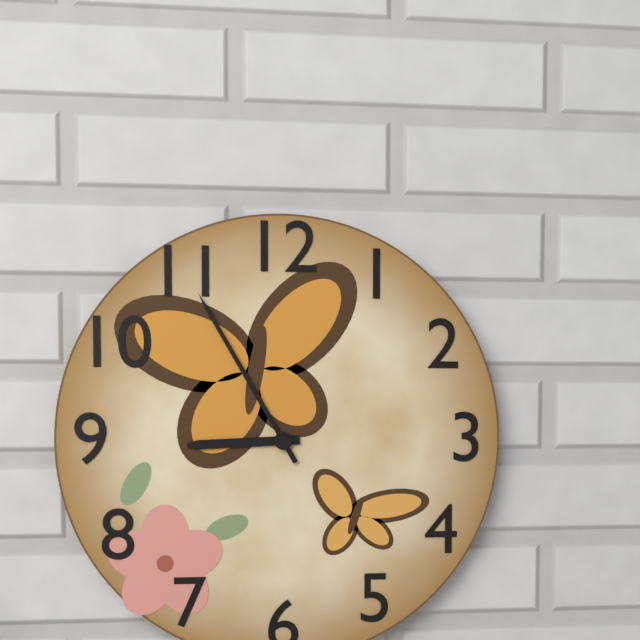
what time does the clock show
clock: 8:55
